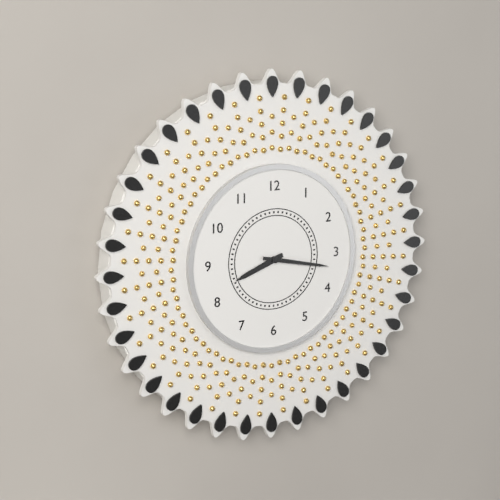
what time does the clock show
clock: 8:17
